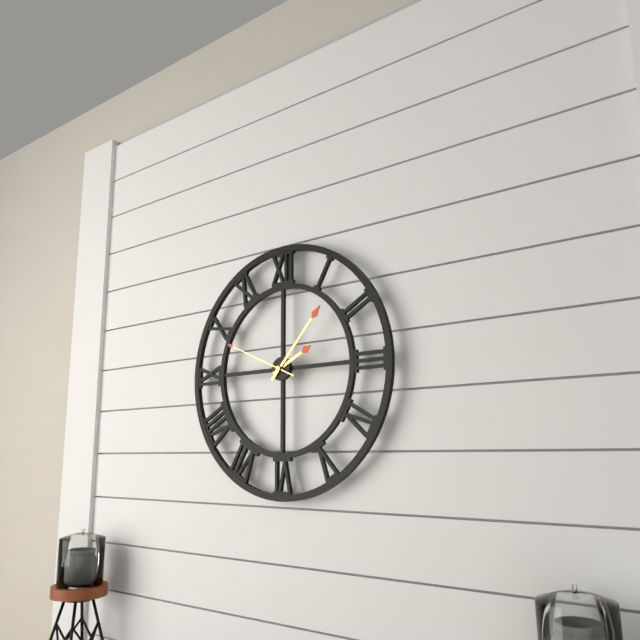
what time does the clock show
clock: 2:07:49
